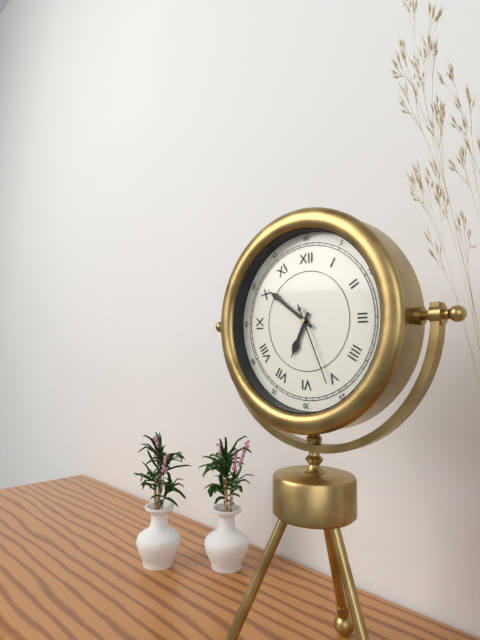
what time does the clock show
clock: 6:51:26
